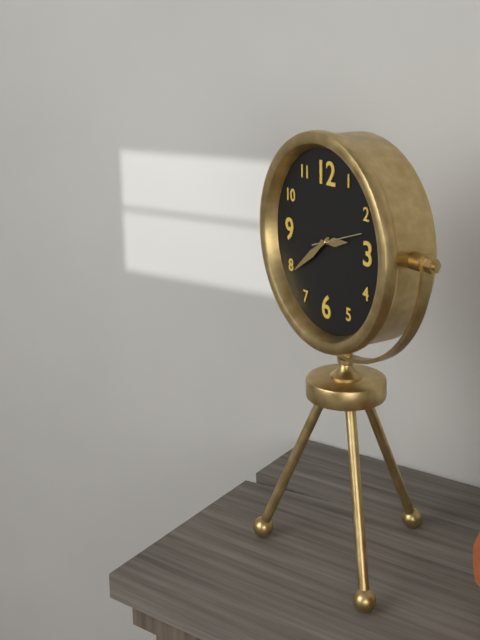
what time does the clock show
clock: 2:39:12
